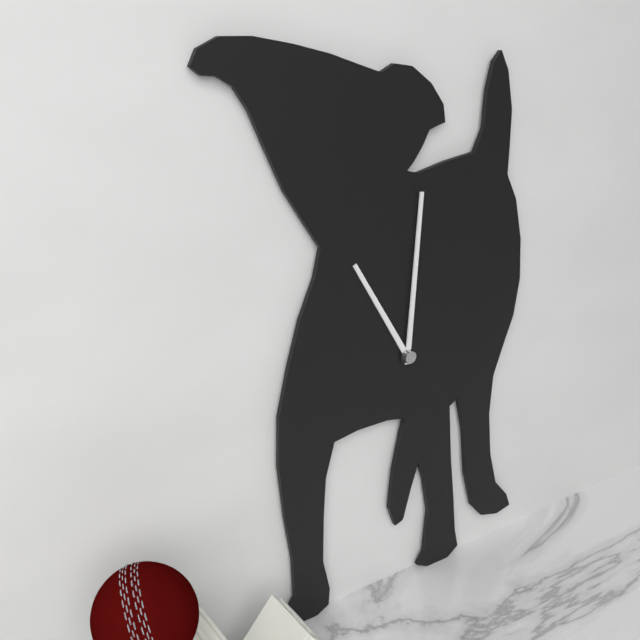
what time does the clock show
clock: 11:01
